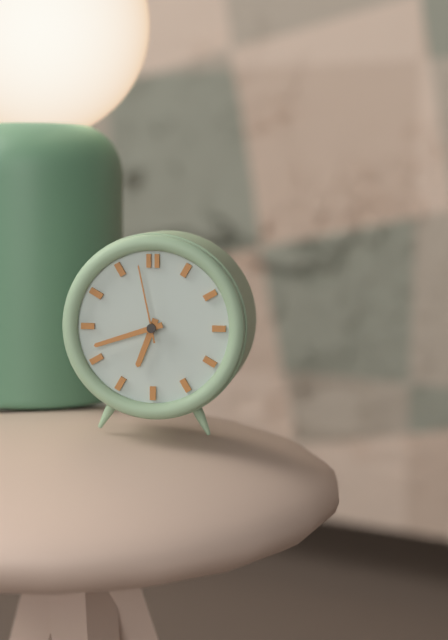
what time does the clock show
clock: 6:42:58
